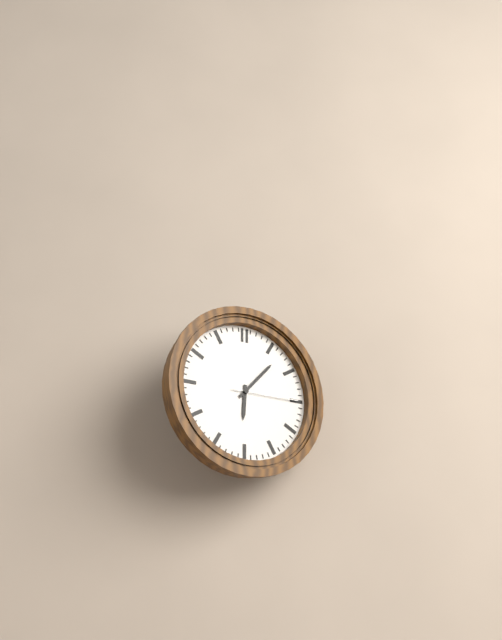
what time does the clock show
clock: 6:07:15
